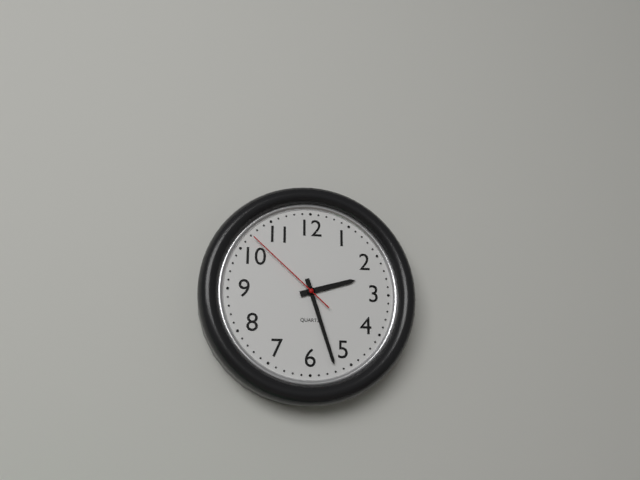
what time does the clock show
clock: 2:27:52
